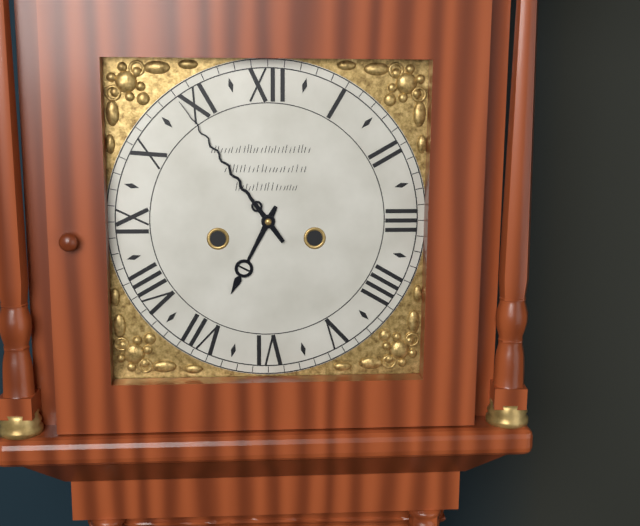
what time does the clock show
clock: 6:54
